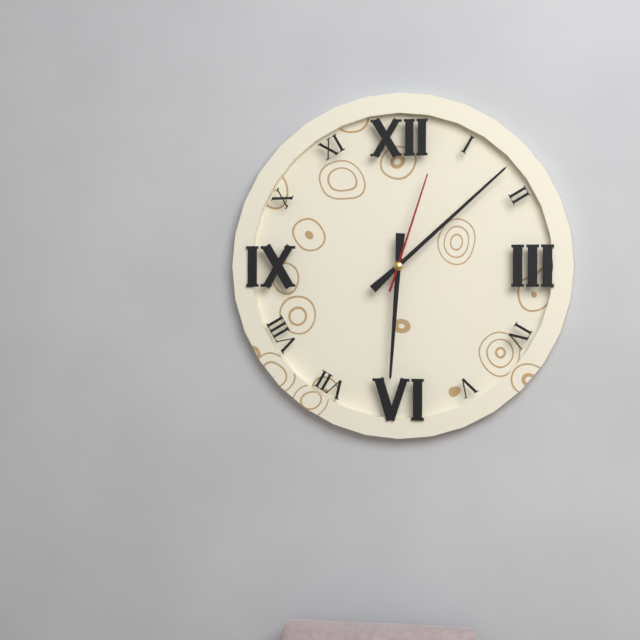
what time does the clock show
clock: 6:08:03
